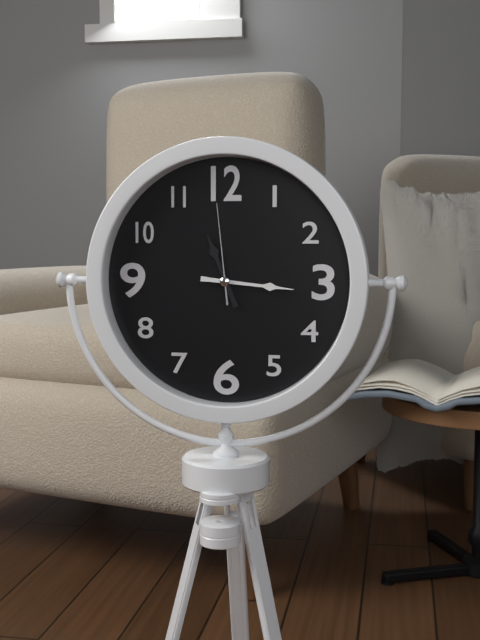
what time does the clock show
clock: 11:16:59
